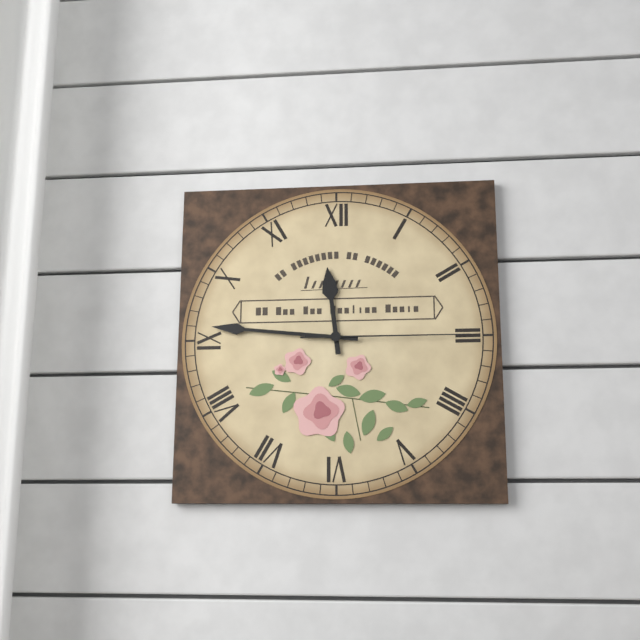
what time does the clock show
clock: 11:46:15
